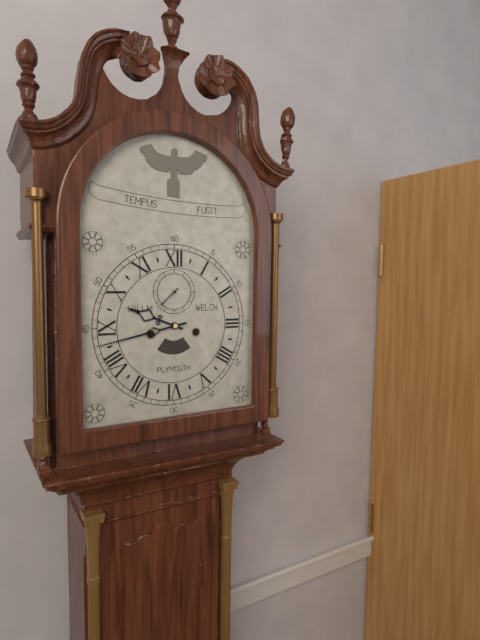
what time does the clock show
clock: 9:43
